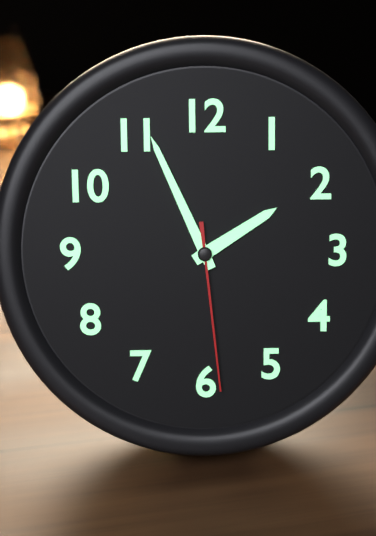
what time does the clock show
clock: 1:56:29
